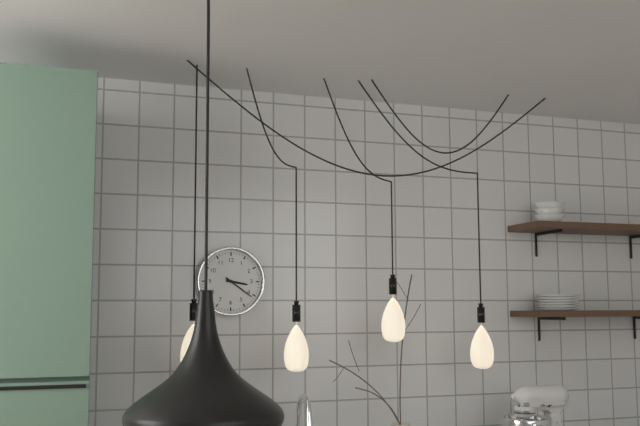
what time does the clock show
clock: 3:21
